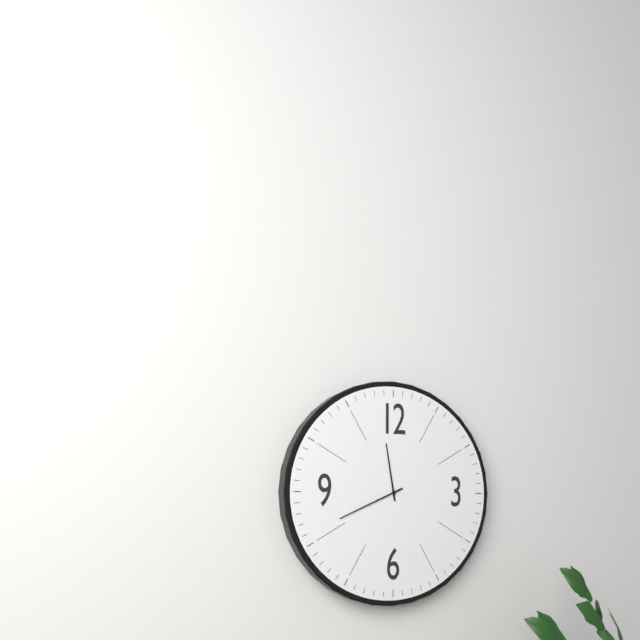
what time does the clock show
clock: 11:41
